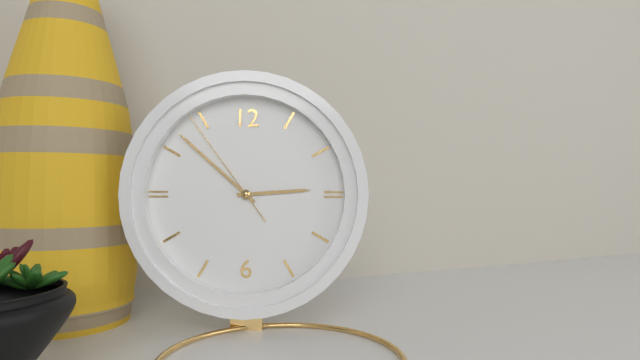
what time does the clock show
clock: 2:52:54
